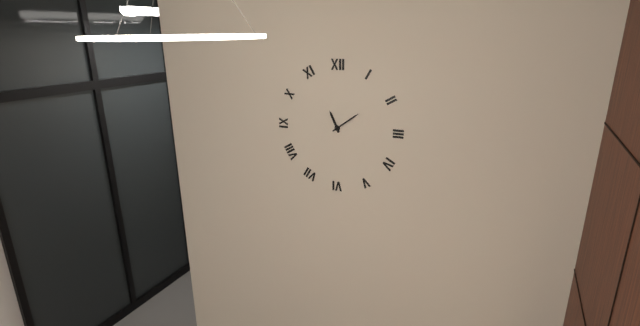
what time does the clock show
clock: 11:09
